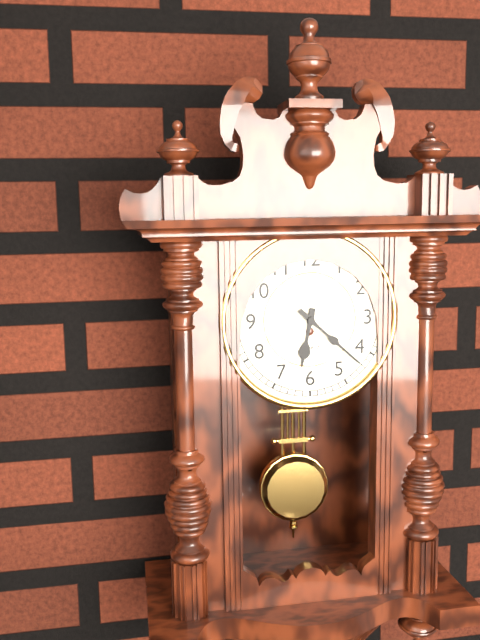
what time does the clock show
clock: 6:22
